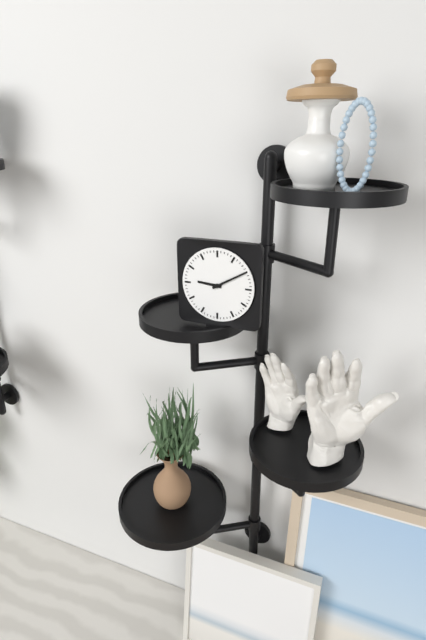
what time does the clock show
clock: 9:10
